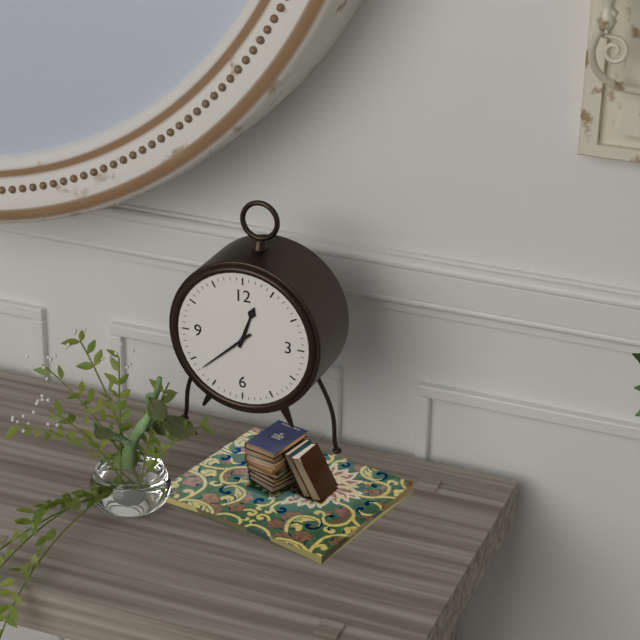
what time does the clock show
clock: 12:38
